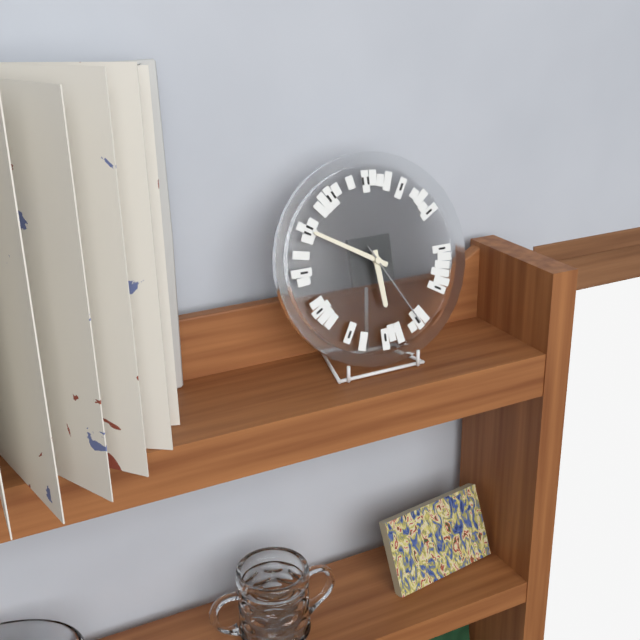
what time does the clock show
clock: 5:50:25
